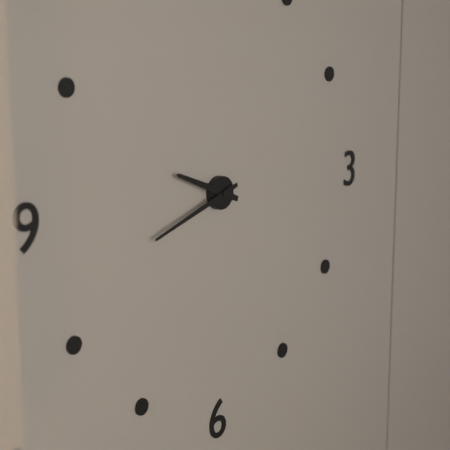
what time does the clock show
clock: 9:42
